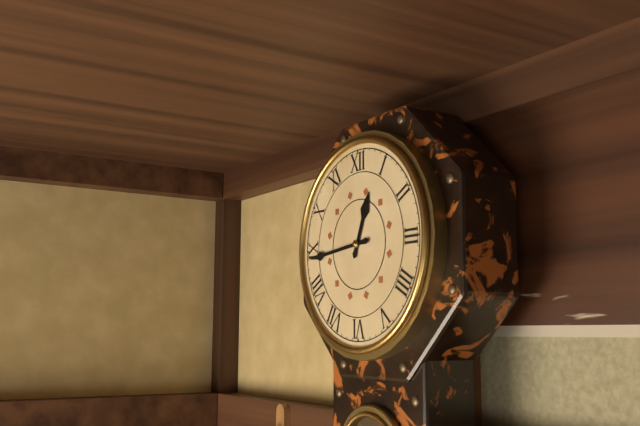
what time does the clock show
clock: 12:44
